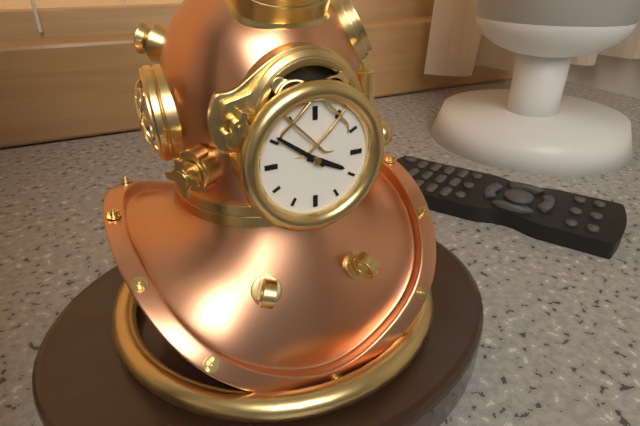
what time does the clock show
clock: 3:51
